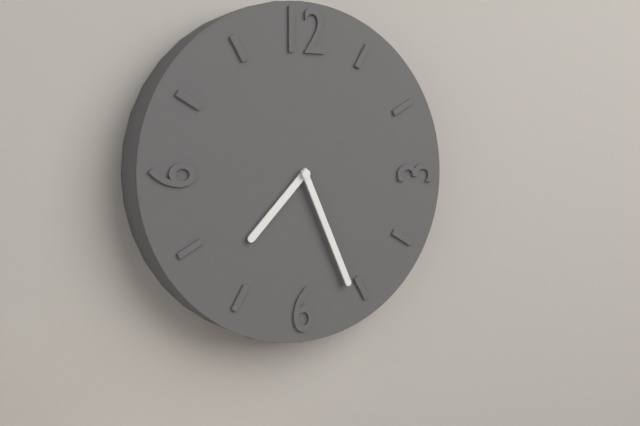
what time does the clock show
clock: 7:26
